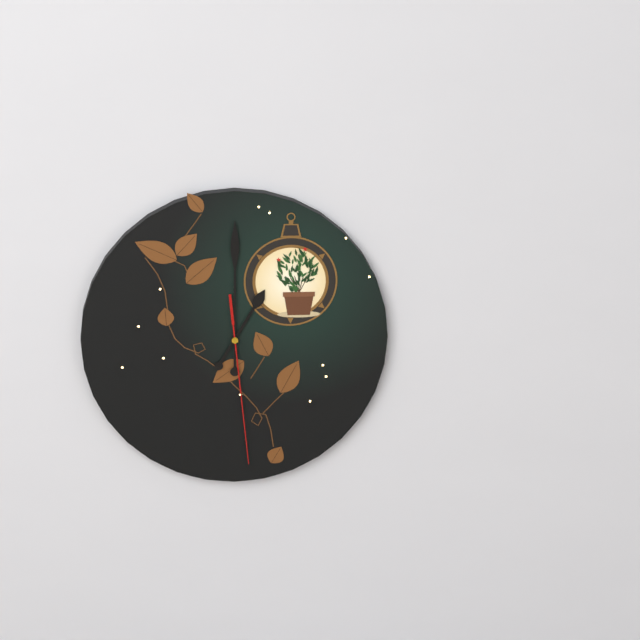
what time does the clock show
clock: 1:00:29
